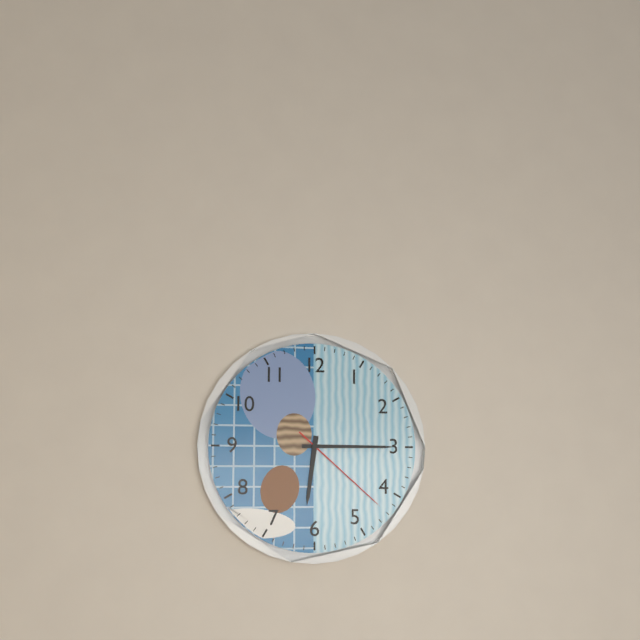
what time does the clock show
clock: 6:15:22
